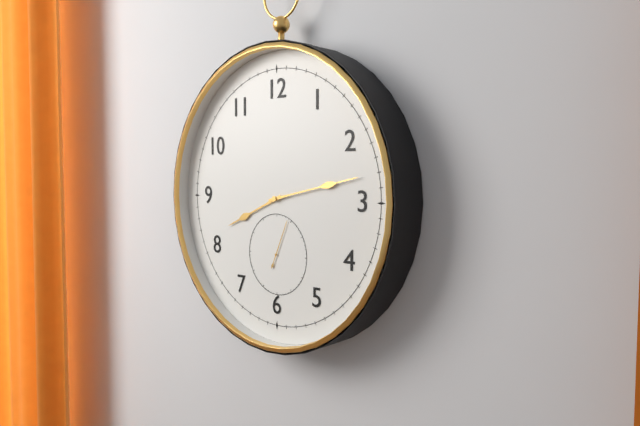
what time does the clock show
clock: 8:13
